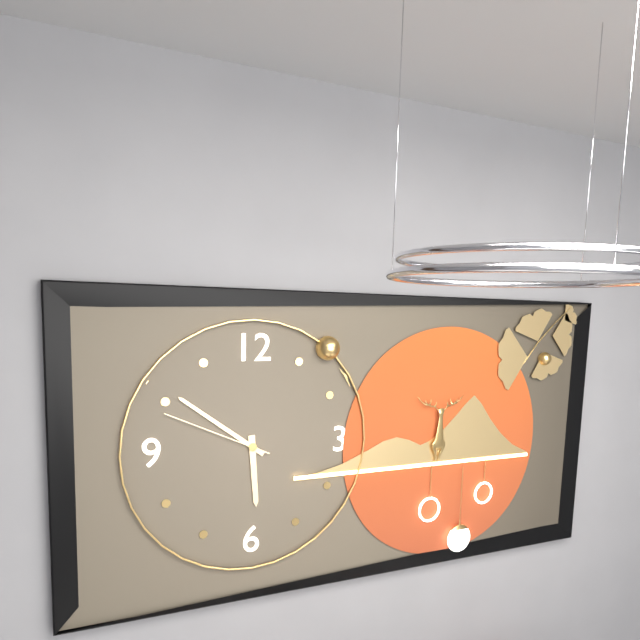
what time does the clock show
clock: 5:51:49
